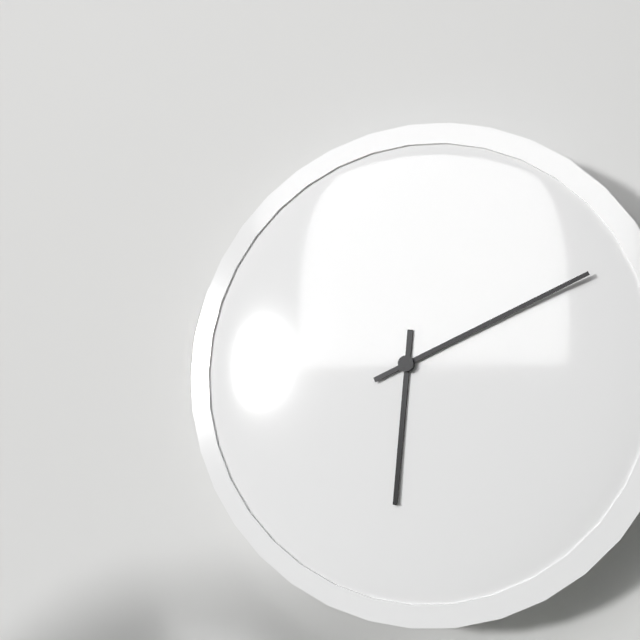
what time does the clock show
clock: 6:11
